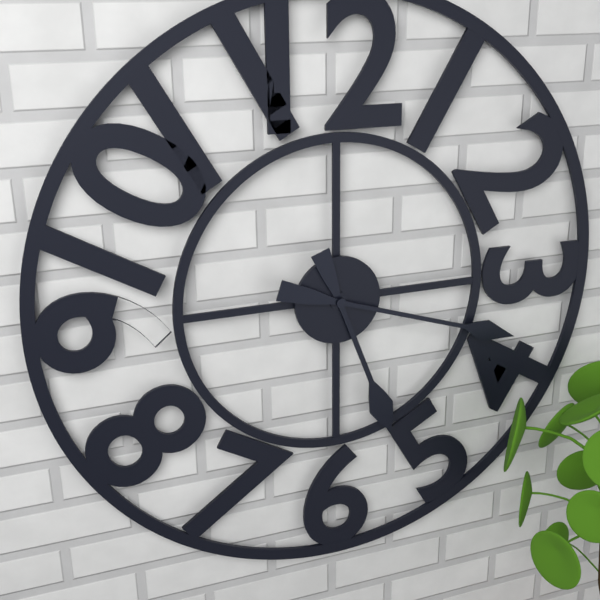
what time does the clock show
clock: 5:18
